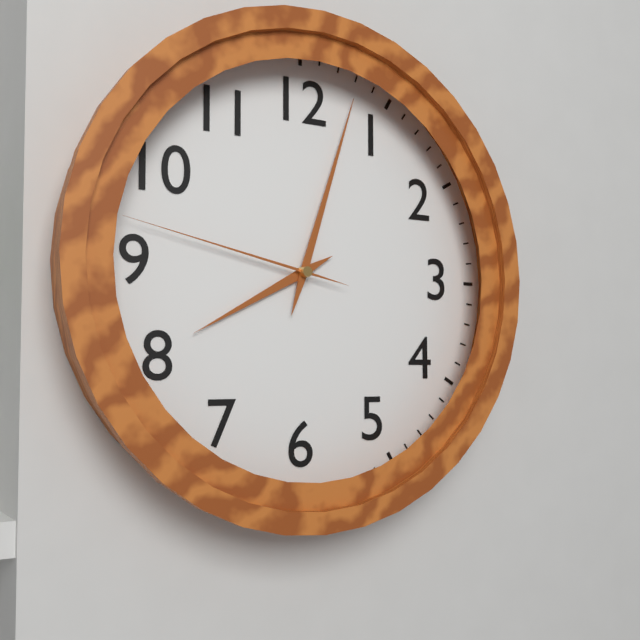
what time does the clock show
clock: 8:03:47
